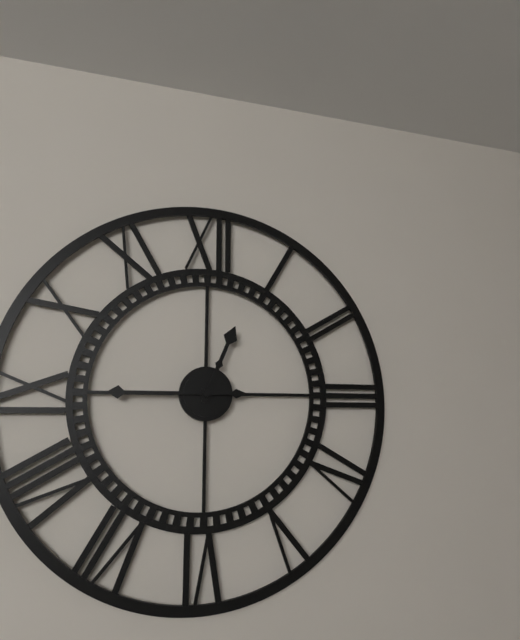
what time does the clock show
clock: 12:45
